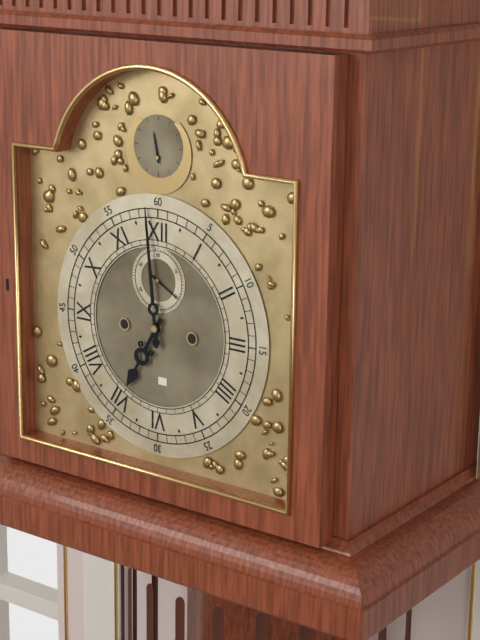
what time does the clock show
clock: 6:59
